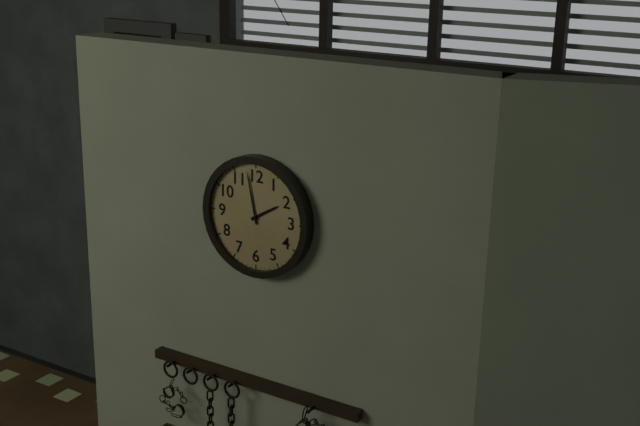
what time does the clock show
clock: 1:58
